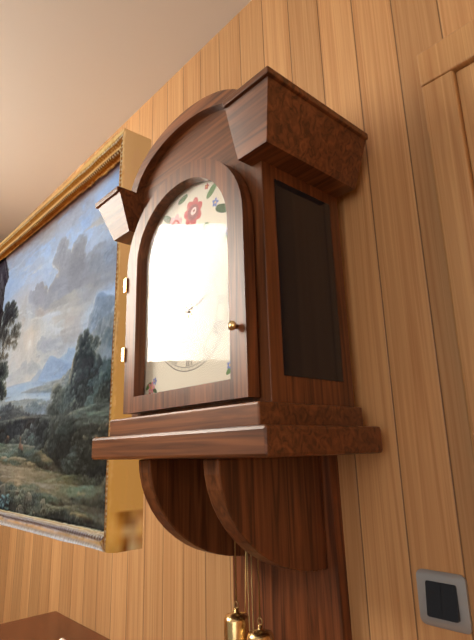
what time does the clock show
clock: 2:34
